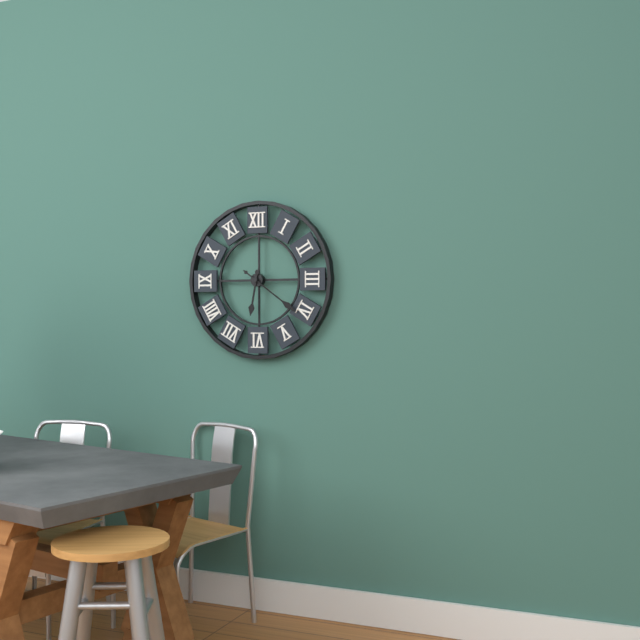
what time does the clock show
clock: 6:21
